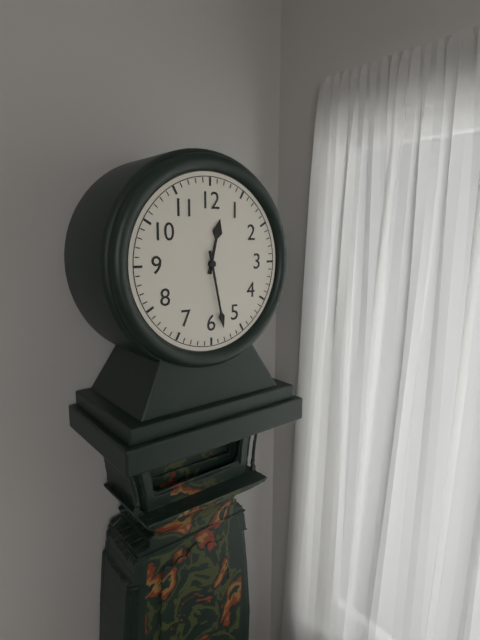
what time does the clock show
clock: 12:28
